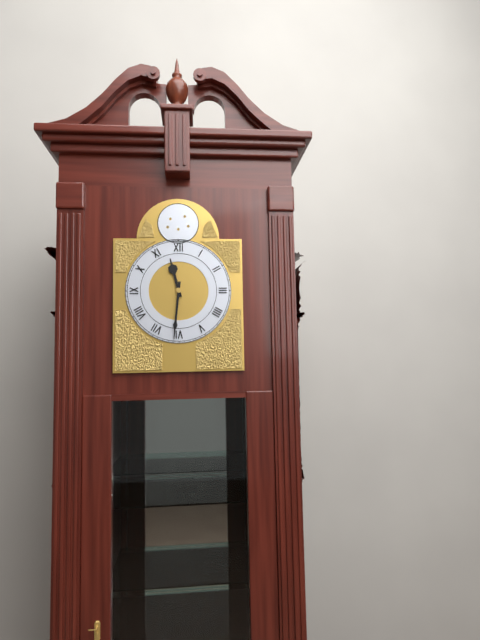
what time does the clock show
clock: 11:31
